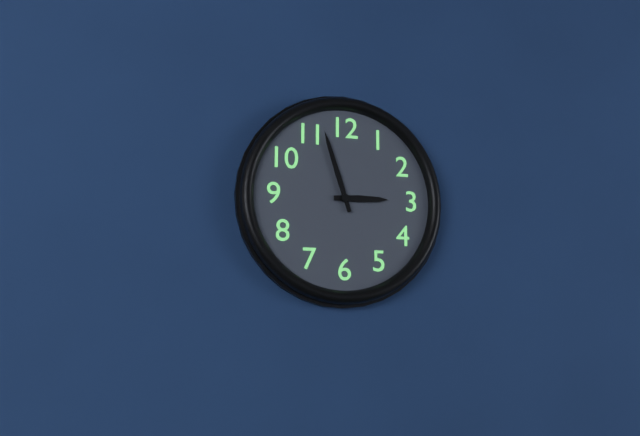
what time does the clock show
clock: 2:57
